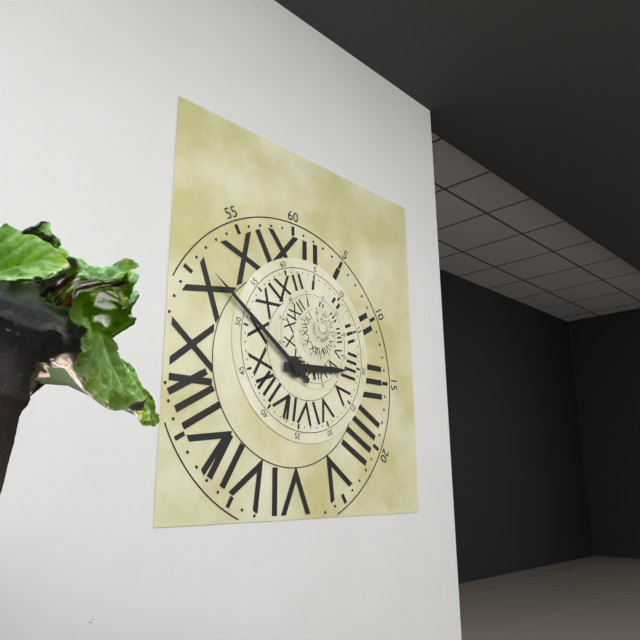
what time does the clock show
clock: 2:51
